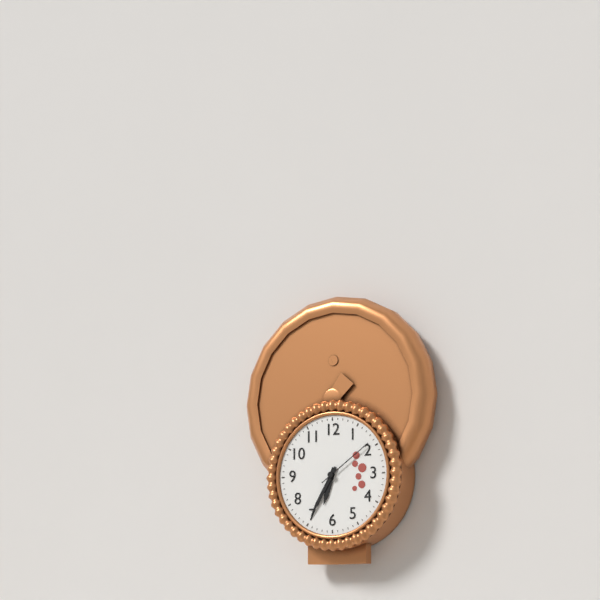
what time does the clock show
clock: 6:35:09
